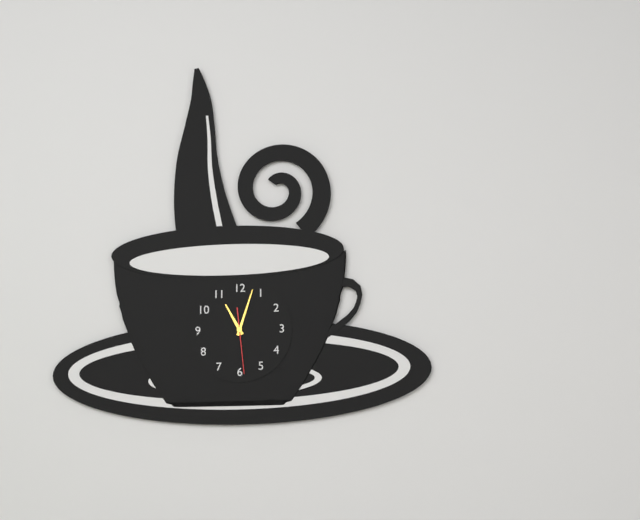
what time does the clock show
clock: 11:03:29
